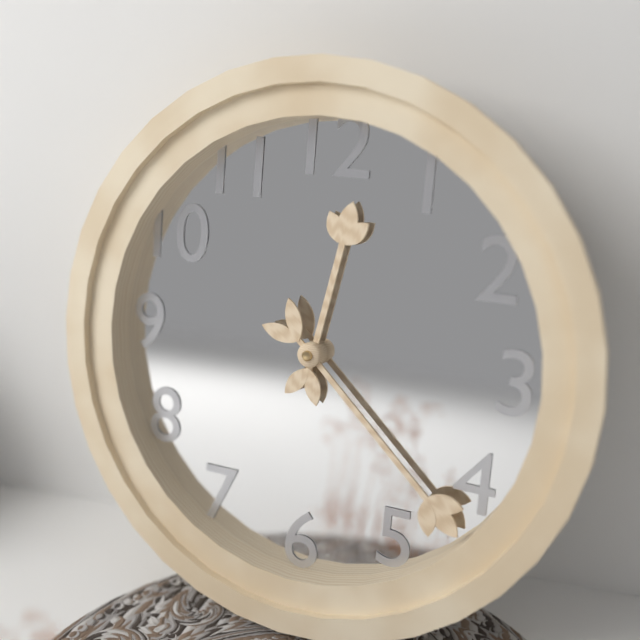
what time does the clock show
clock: 12:22
